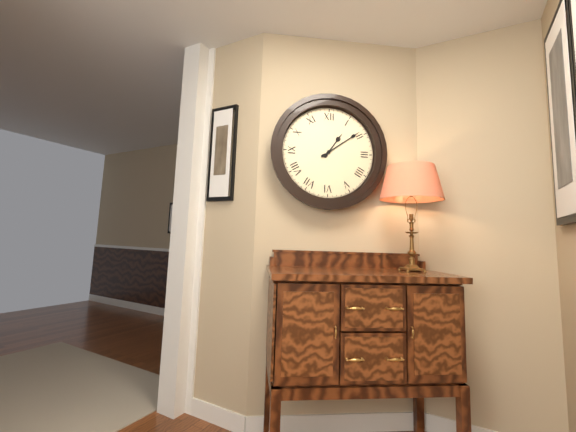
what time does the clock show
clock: 1:09
